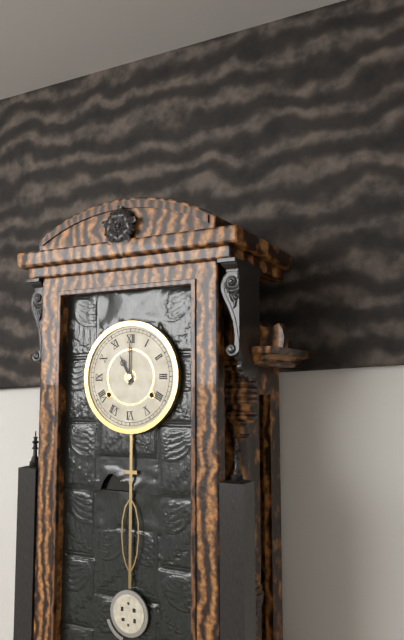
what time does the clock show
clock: 11:00
